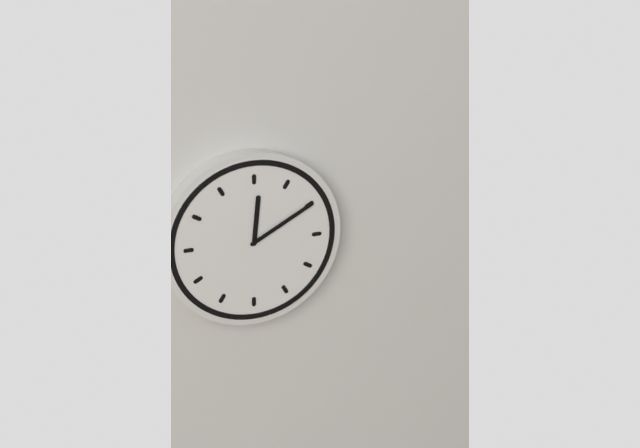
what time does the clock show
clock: 12:10
